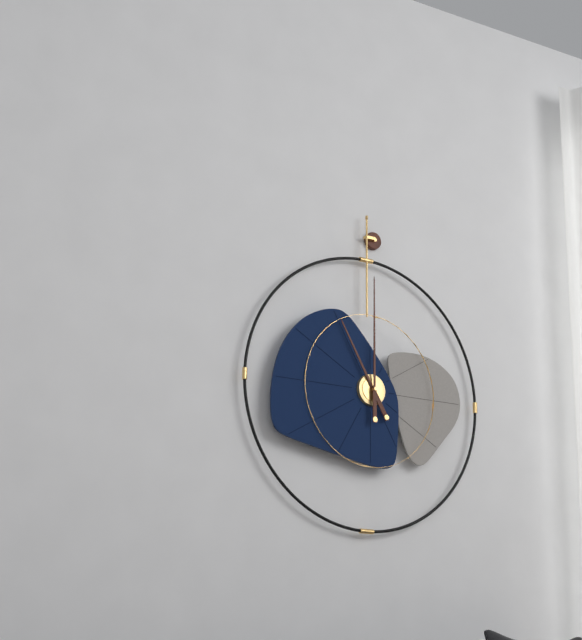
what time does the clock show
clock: 11:00
